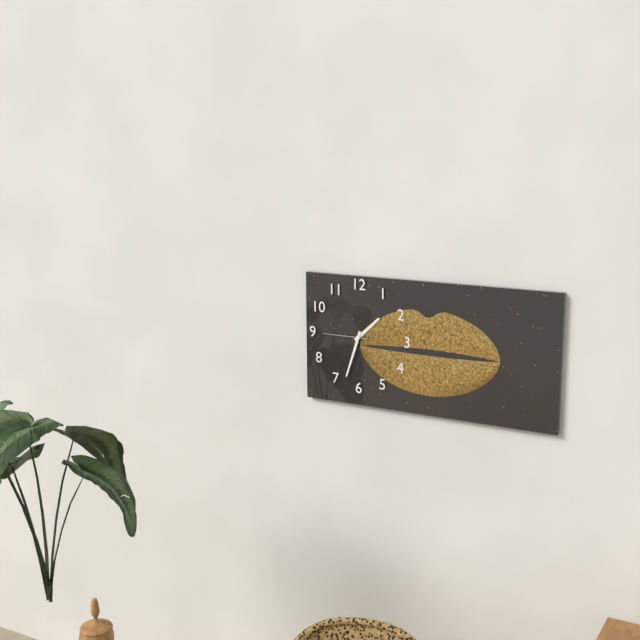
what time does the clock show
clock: 1:33
